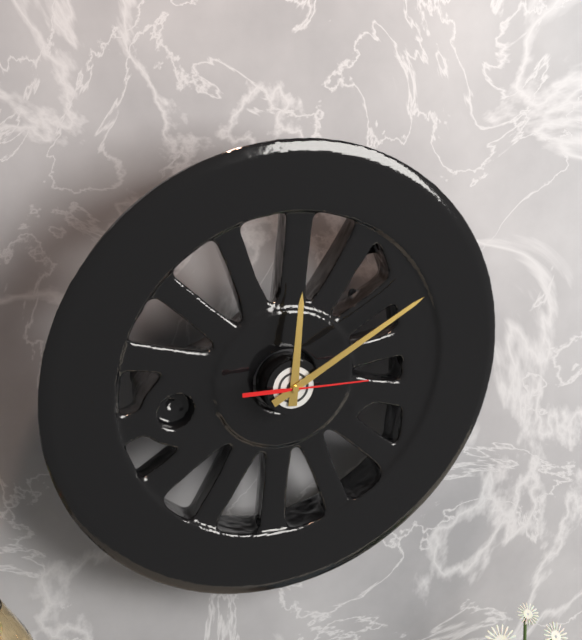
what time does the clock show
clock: 12:10:15
